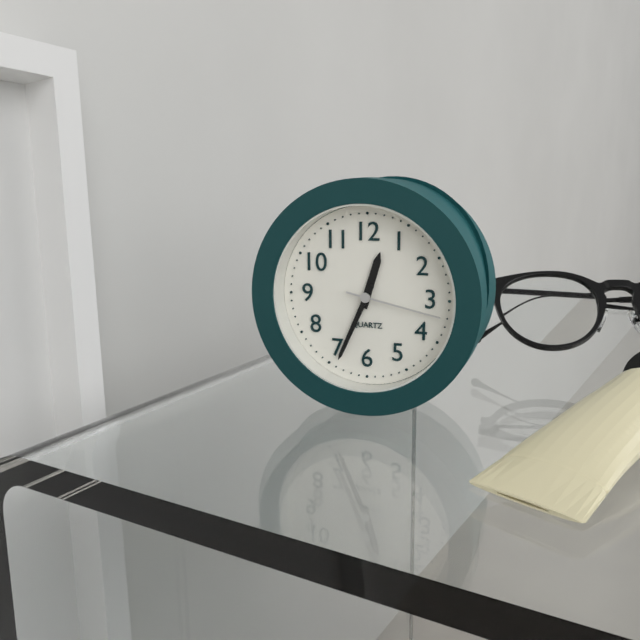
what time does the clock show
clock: 12:34:17
